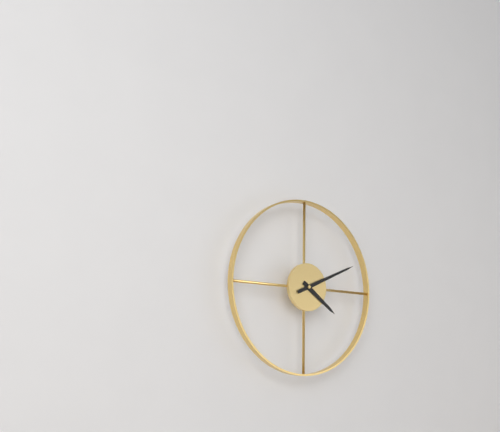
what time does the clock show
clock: 4:11
